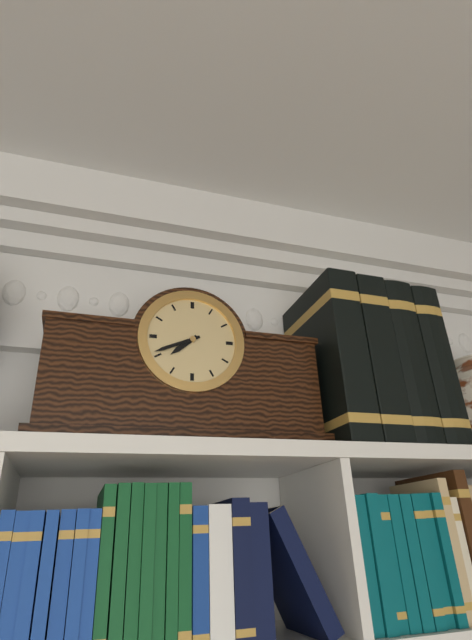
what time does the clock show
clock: 7:41
